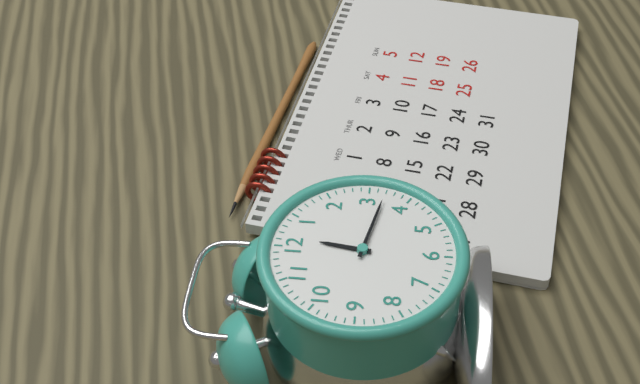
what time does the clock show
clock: 12:17
